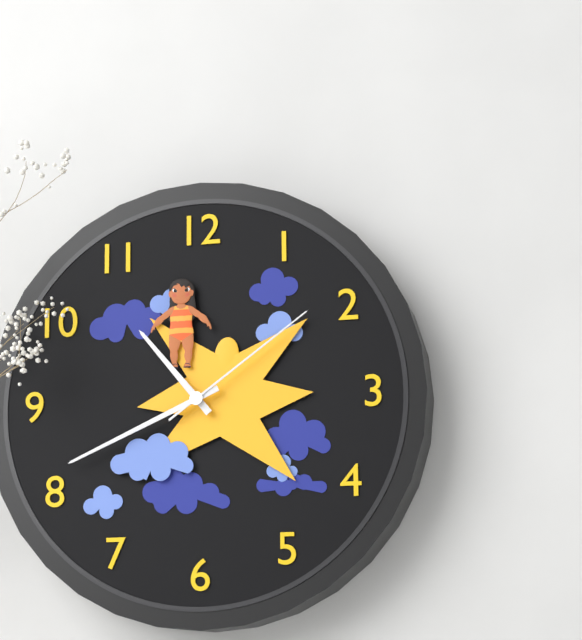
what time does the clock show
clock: 10:41:09
